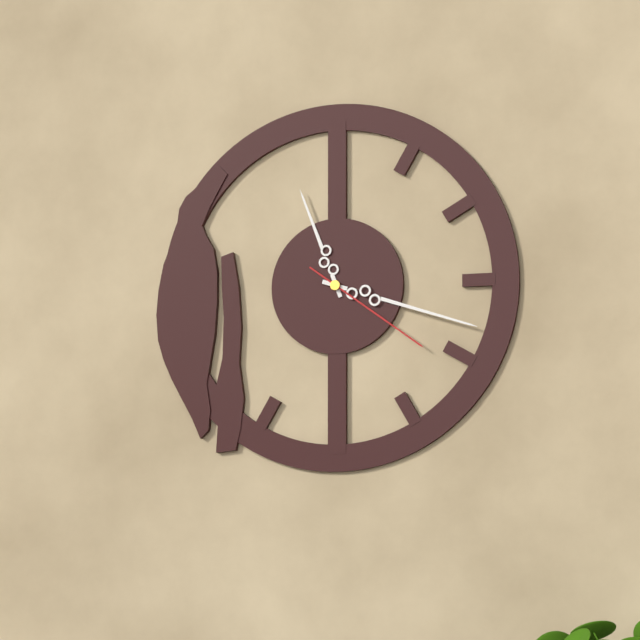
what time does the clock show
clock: 11:18:21
